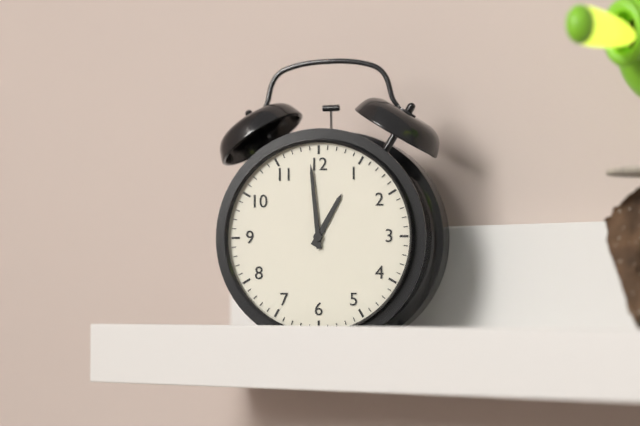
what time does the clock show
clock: 12:59
